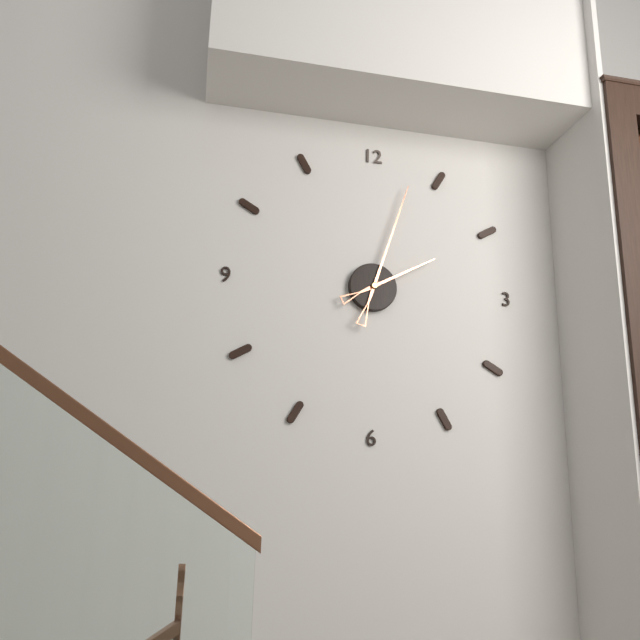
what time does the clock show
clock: 2:03
